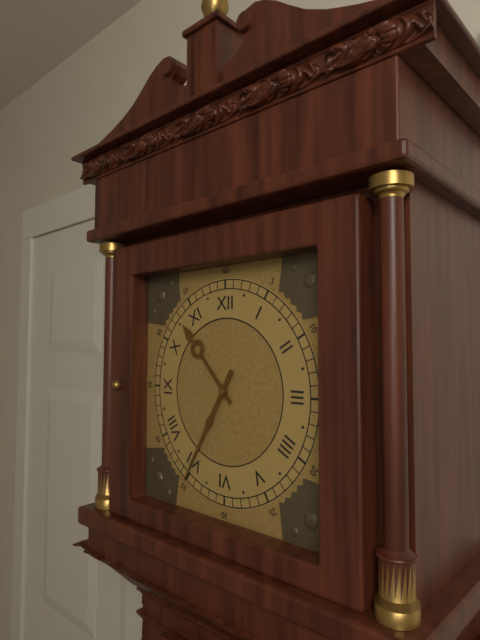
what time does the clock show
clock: 10:35
